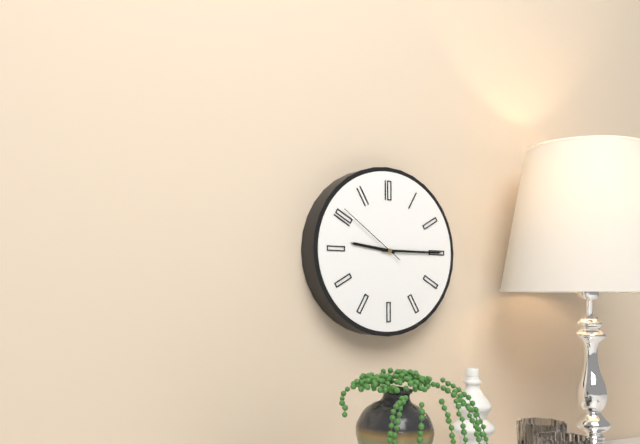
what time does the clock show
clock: 9:15:51
